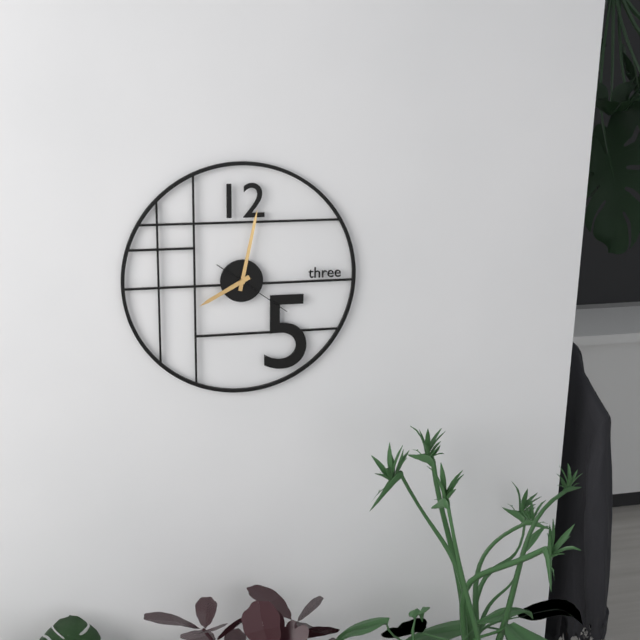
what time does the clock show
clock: 8:02:21
